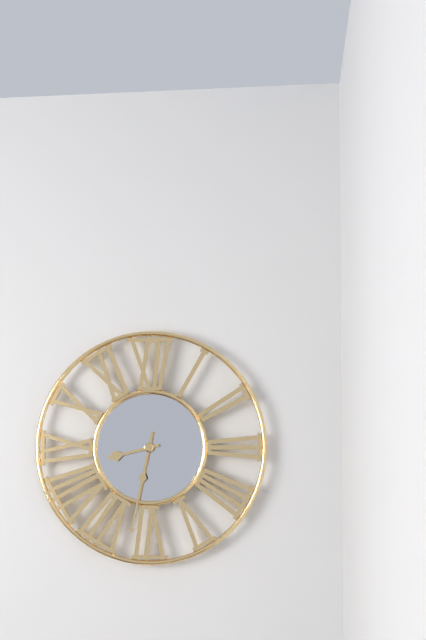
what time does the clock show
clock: 8:32
